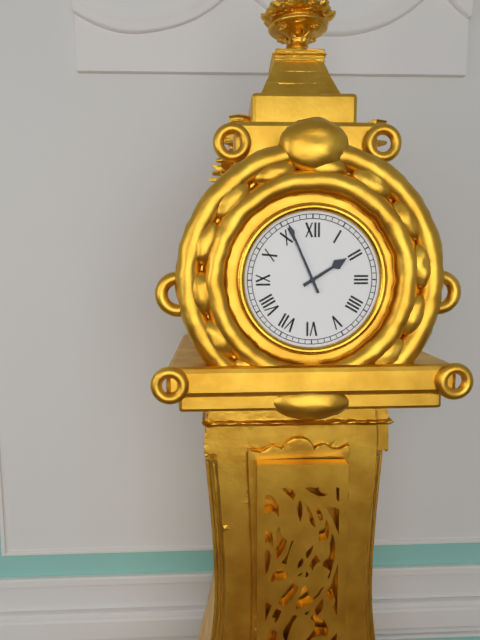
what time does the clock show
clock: 1:56
